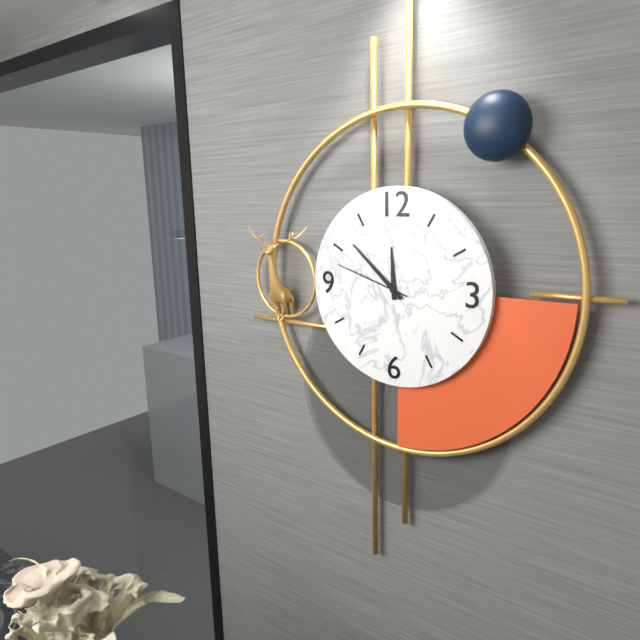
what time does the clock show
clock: 11:52:48
